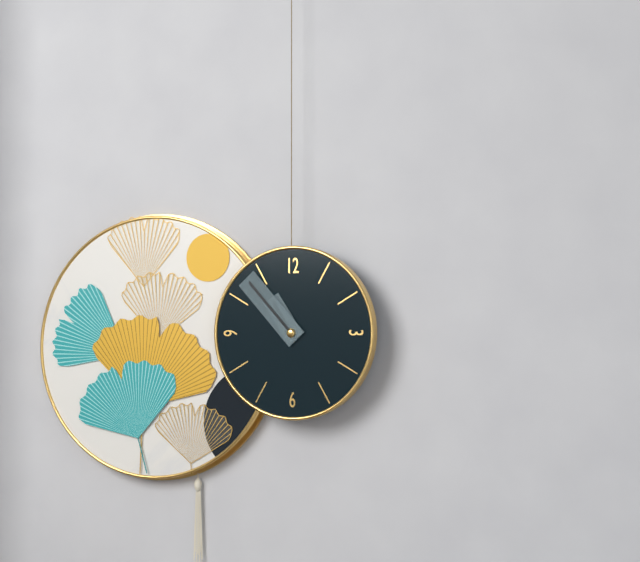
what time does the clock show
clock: 10:53
